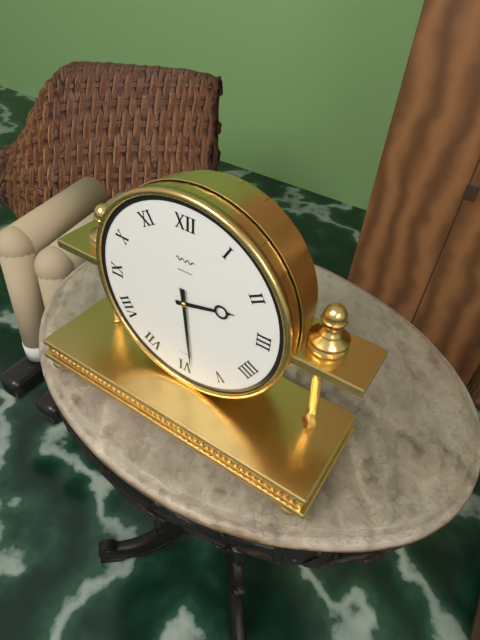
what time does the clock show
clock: 2:29
